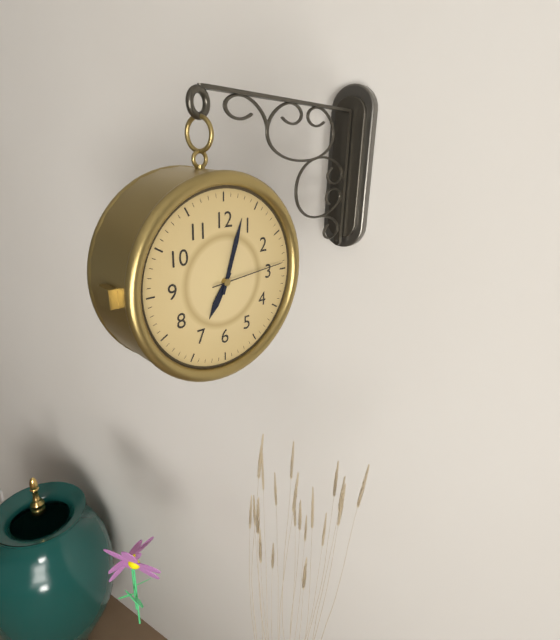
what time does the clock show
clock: 7:03:14
